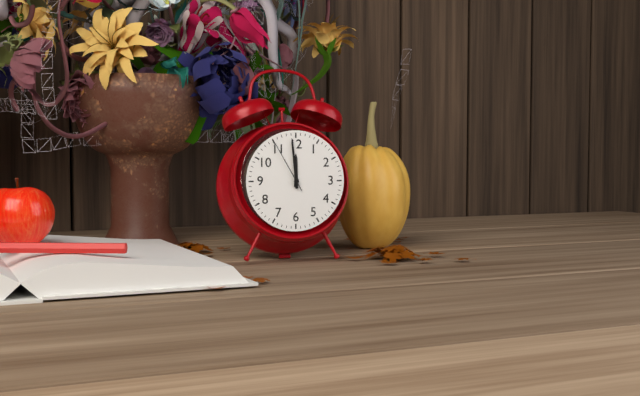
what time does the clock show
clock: 11:59:55
